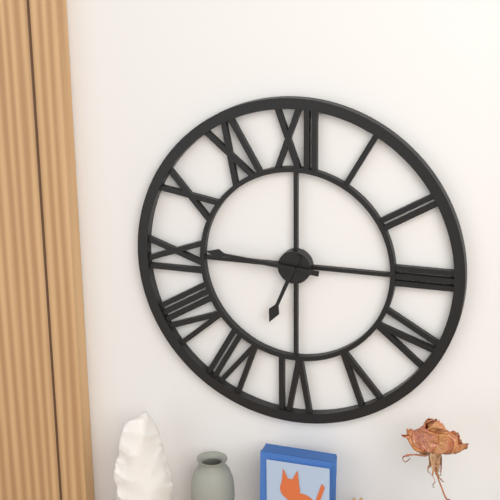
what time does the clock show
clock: 6:46
